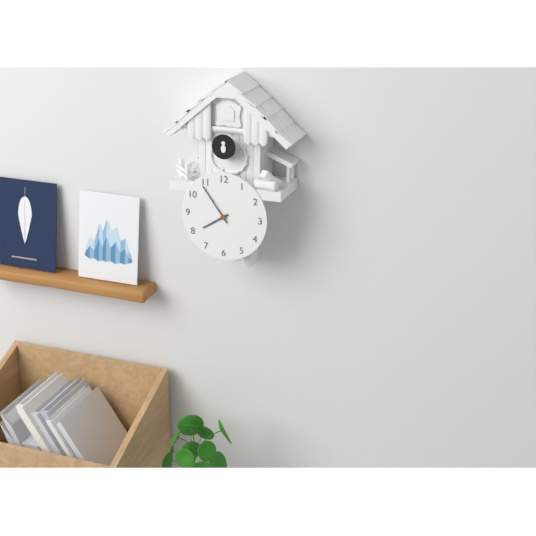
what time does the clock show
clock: 7:54
